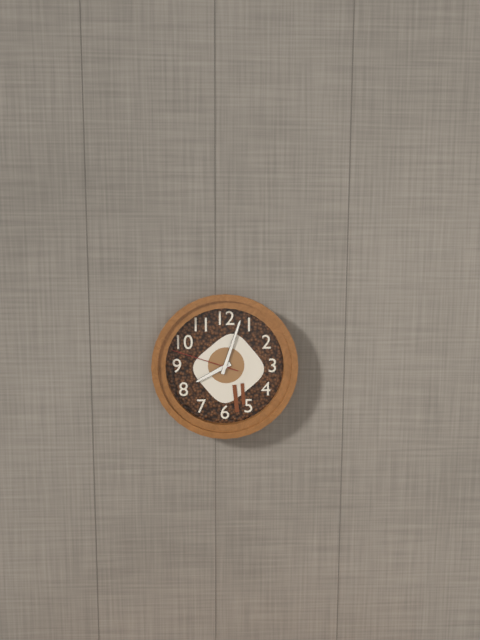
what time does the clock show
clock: 8:03:48
